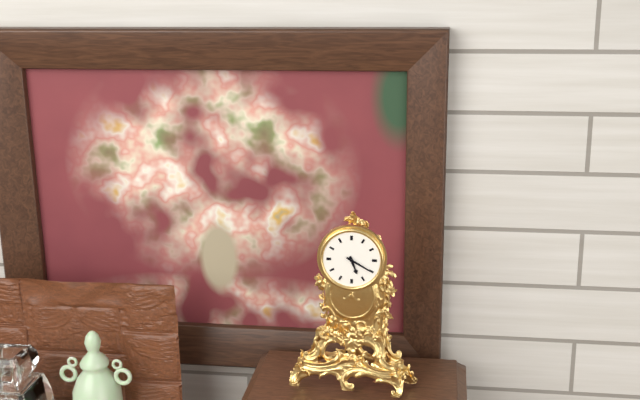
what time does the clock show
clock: 5:20
